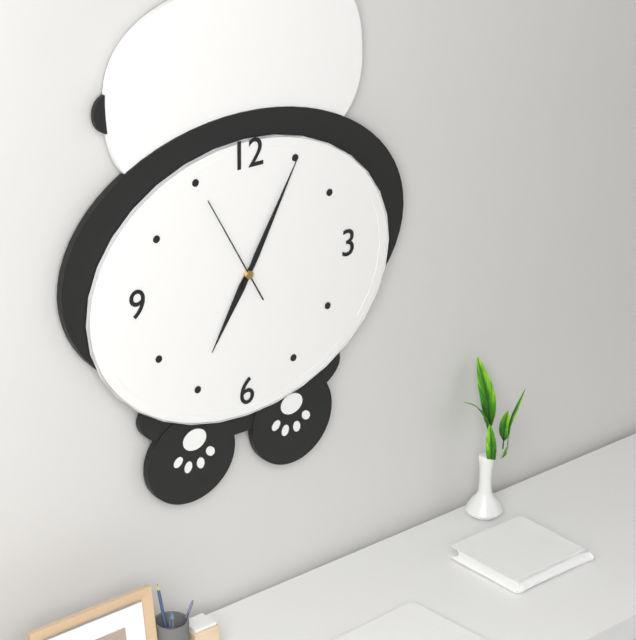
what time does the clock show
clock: 7:05:55
